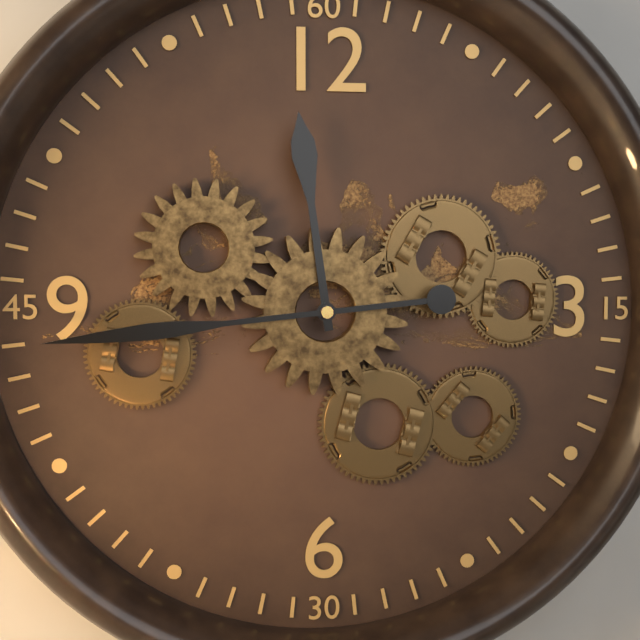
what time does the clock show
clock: 11:44
